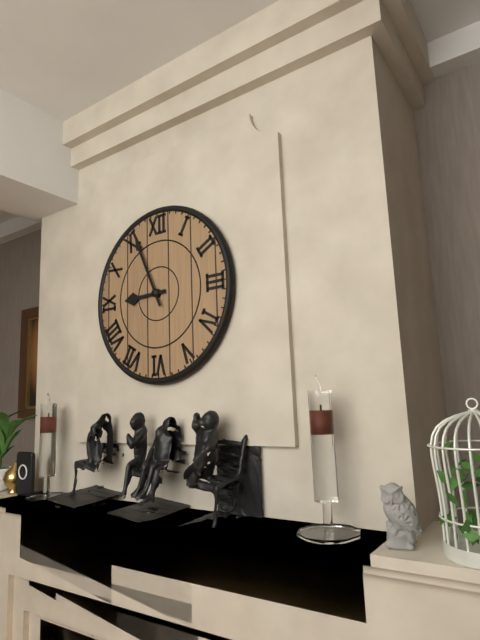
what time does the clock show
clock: 8:56
